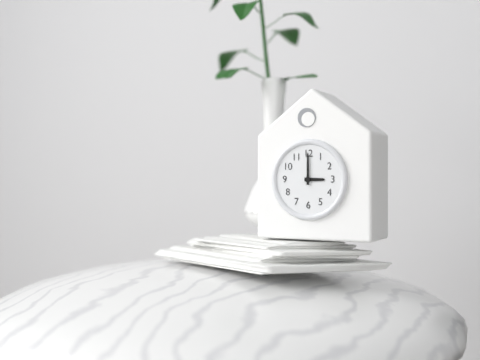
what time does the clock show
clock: 3:00
